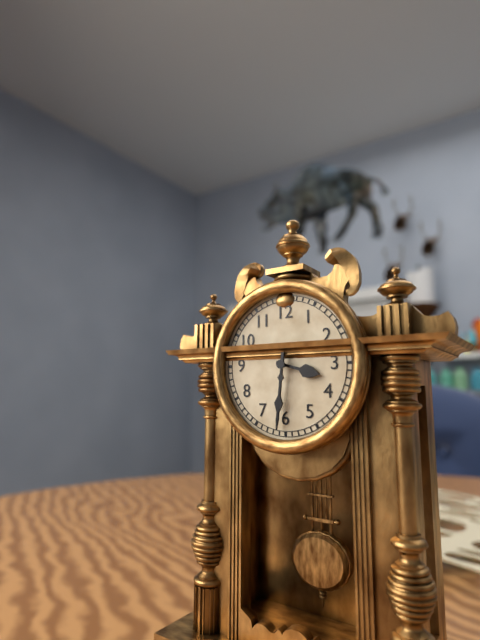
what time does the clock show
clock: 3:31
